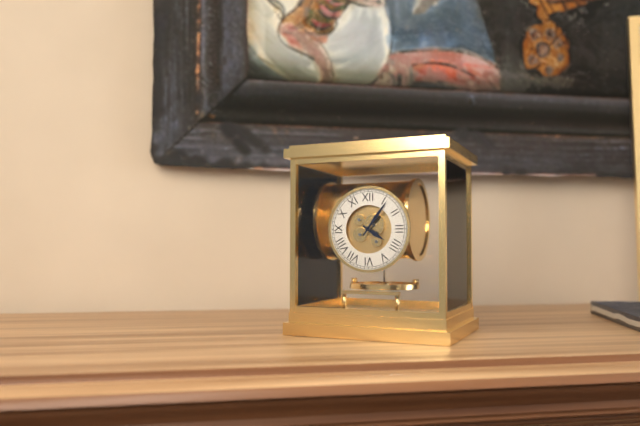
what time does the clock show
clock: 4:06
